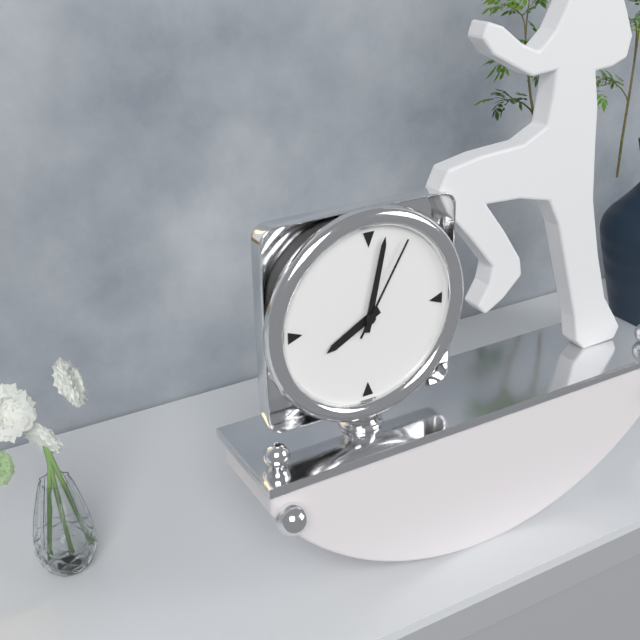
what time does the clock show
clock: 8:02:05
